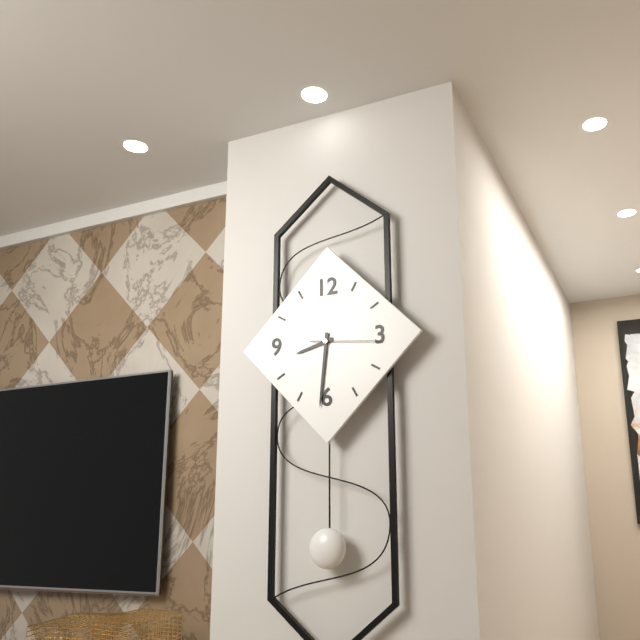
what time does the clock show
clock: 8:31:16
